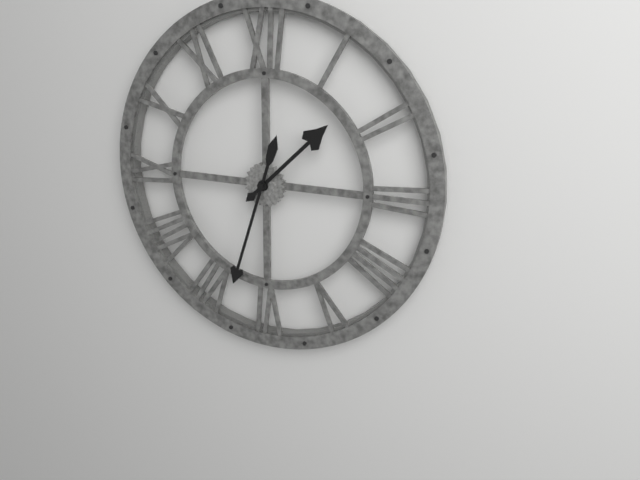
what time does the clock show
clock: 1:33
